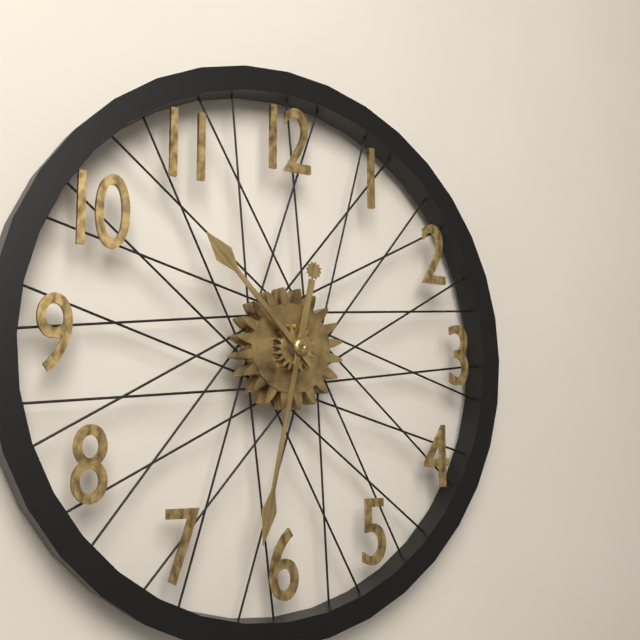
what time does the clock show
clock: 10:32
